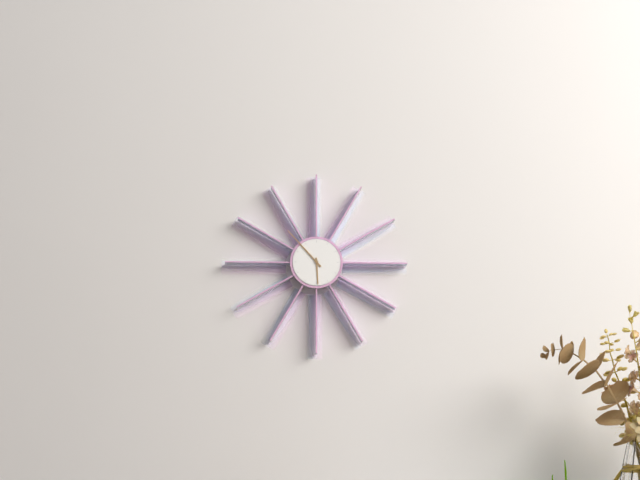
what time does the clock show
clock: 5:53
